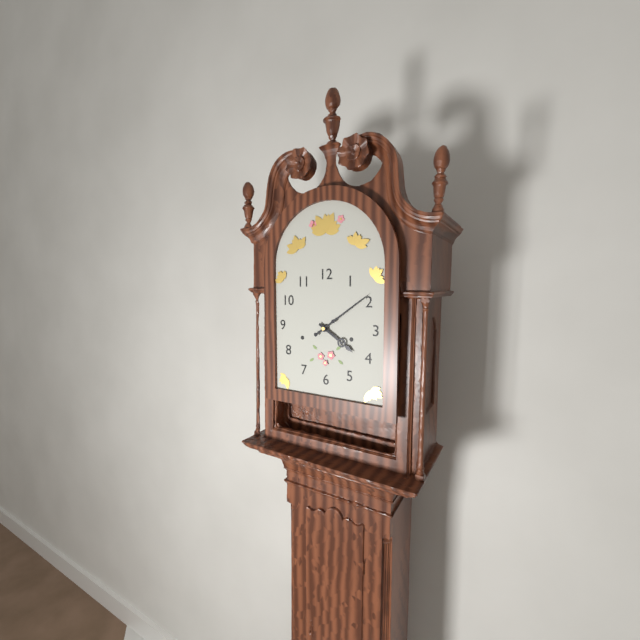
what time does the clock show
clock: 4:09
